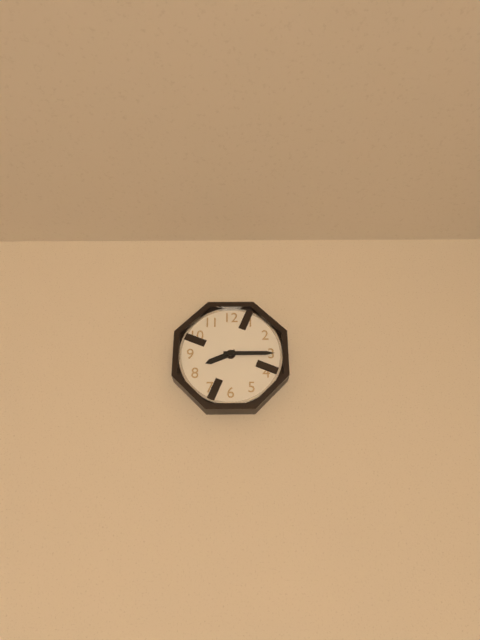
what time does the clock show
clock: 8:15
